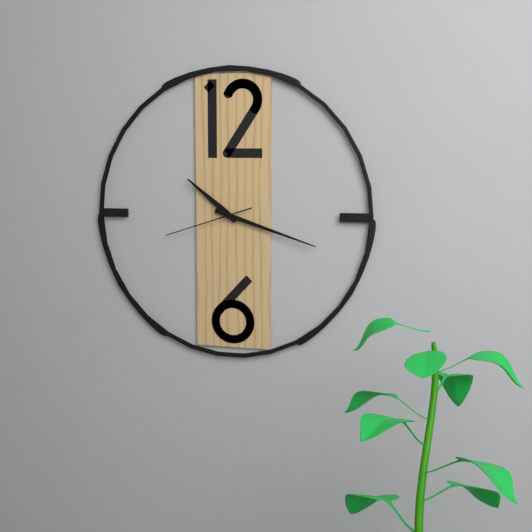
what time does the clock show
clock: 10:18:42
